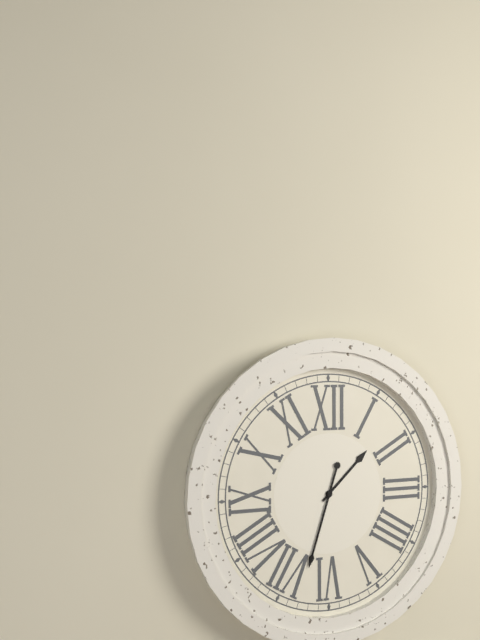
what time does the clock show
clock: 1:33
